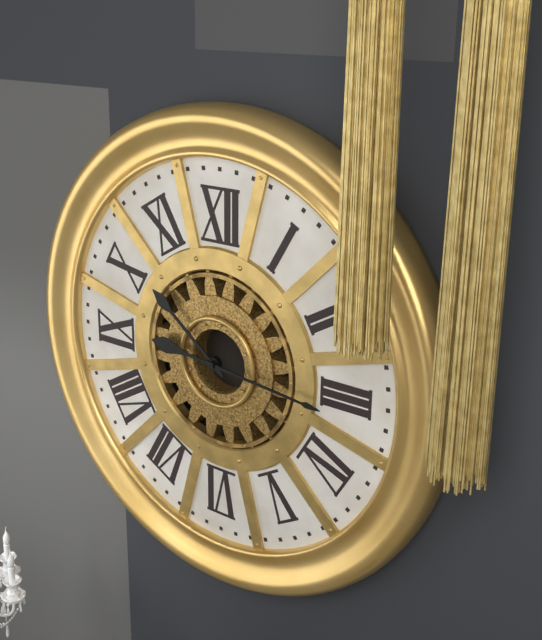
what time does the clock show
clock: 10:16
